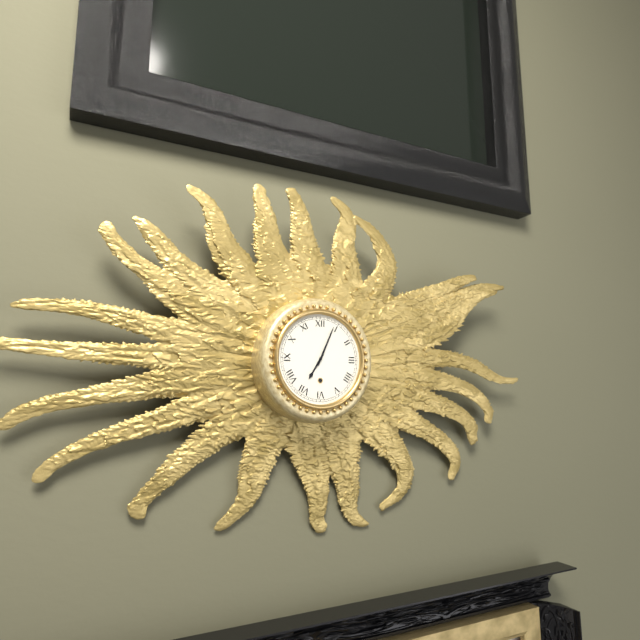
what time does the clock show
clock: 7:04
